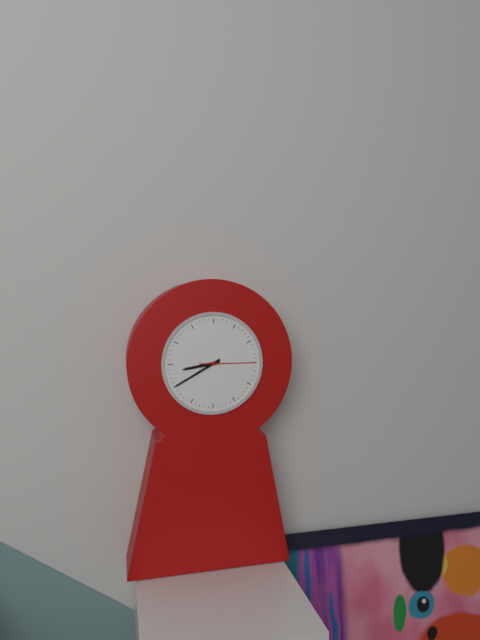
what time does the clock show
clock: 8:40:15
